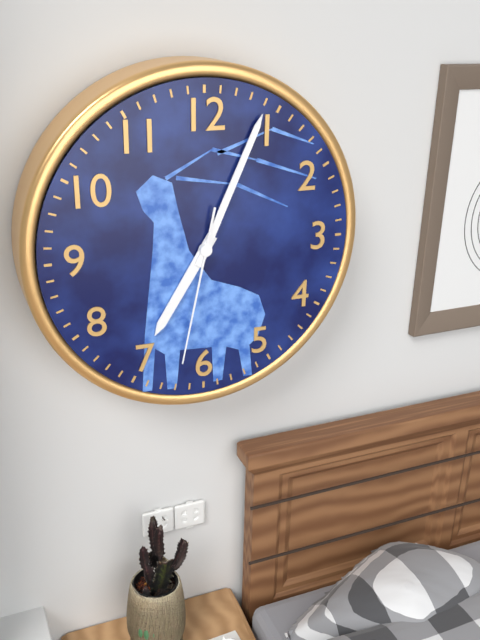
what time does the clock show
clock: 7:04:32
